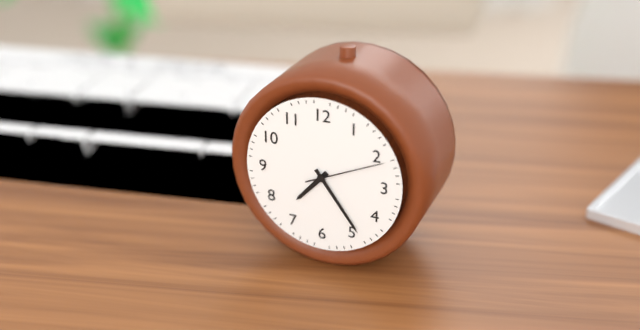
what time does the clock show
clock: 7:24:11
